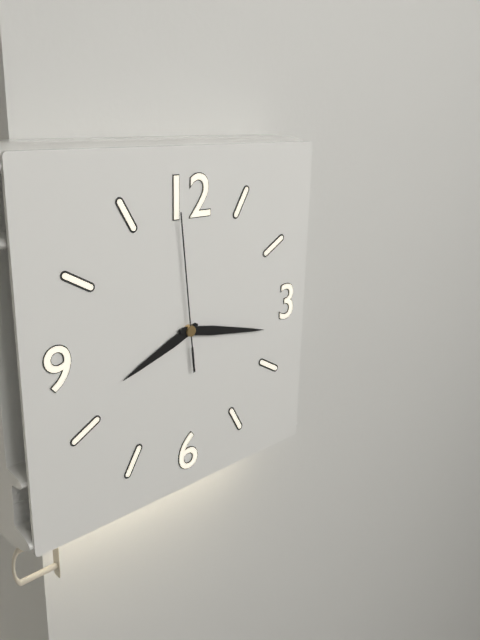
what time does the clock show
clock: 8:17:59
